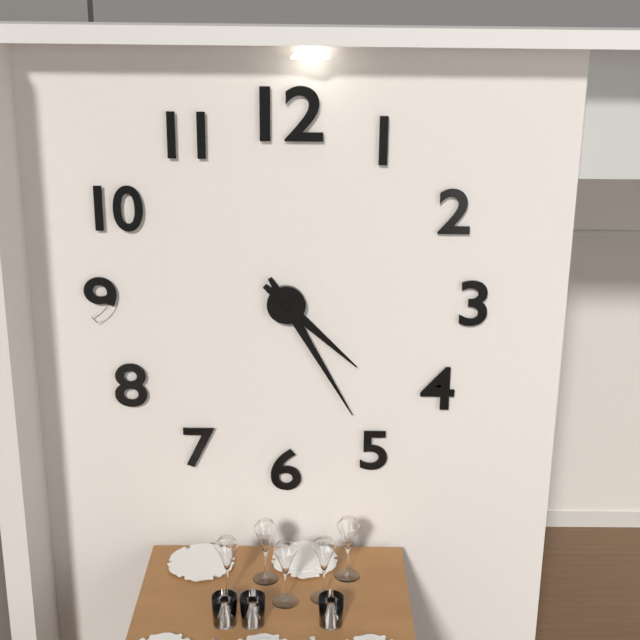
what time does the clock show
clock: 4:25
